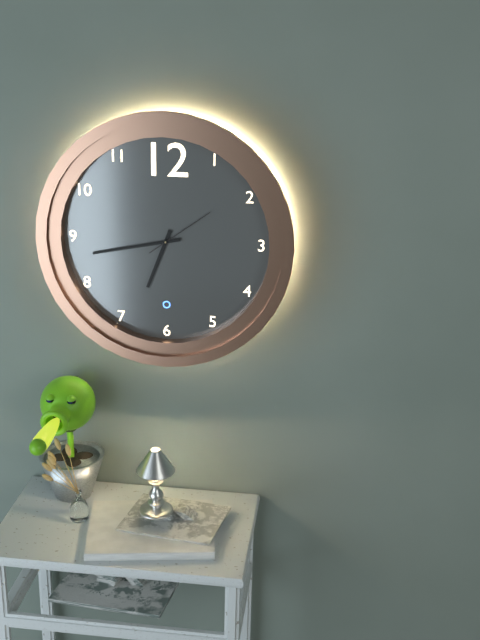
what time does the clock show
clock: 6:43:09
